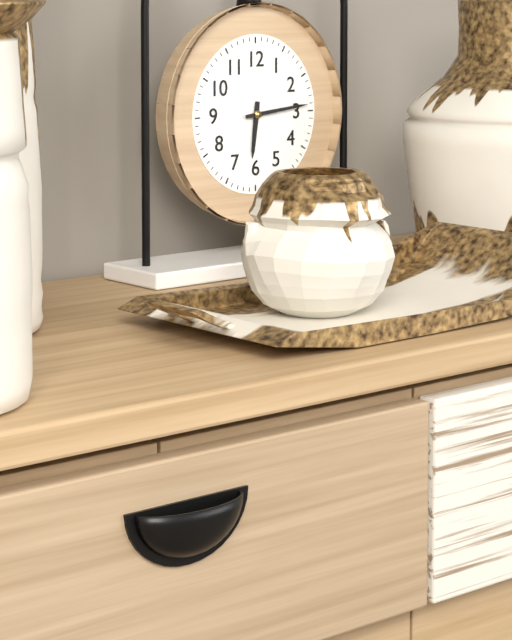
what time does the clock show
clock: 6:14
